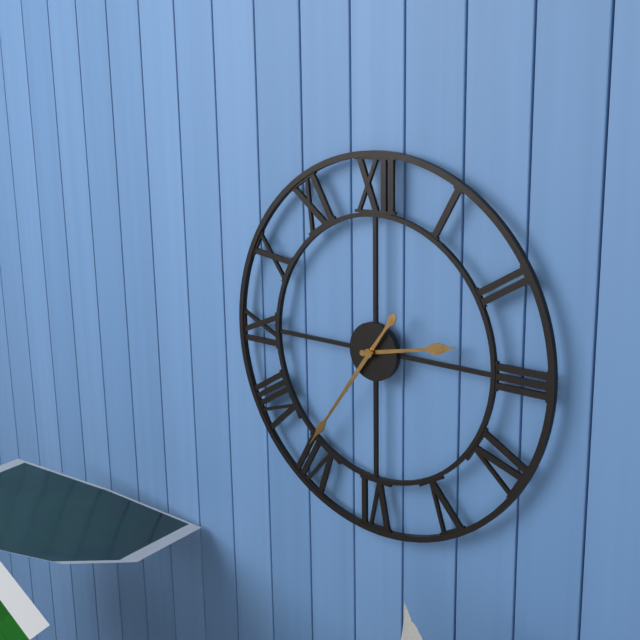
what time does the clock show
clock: 2:36
